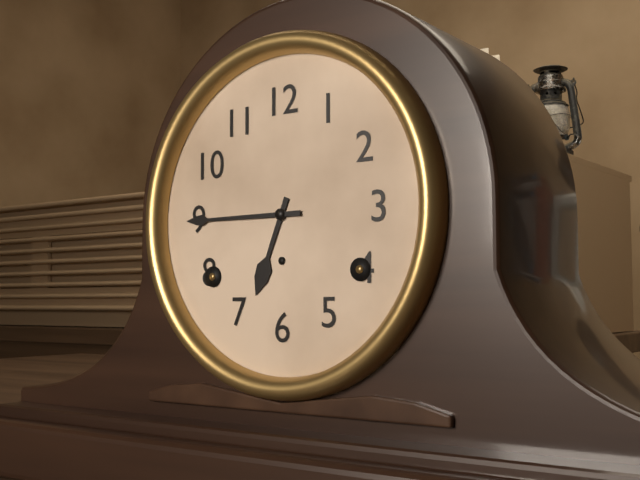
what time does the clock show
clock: 6:45
